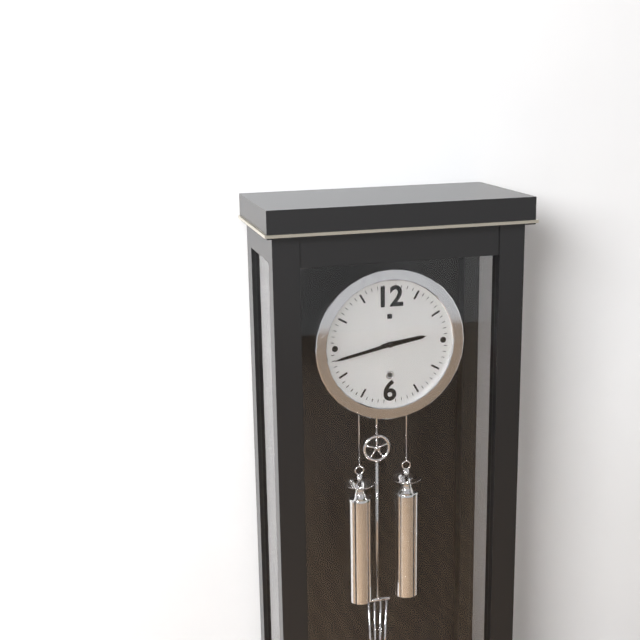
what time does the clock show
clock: 2:43
